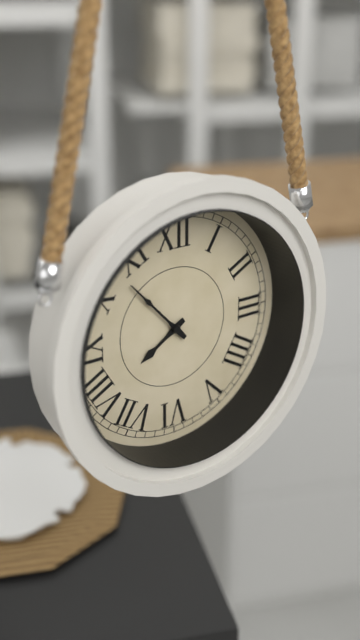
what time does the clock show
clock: 7:53
